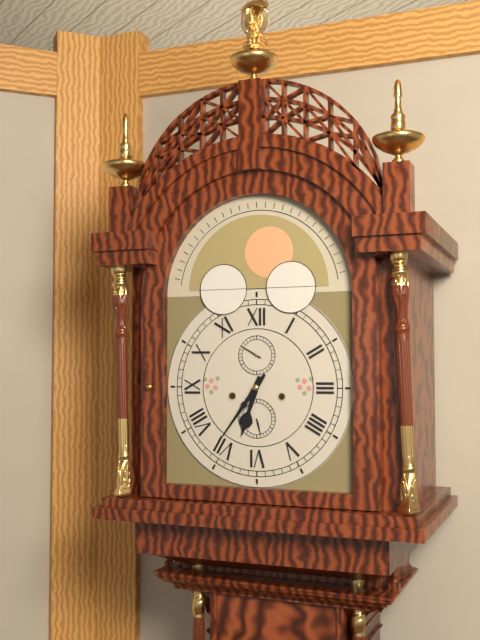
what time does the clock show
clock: 6:36
